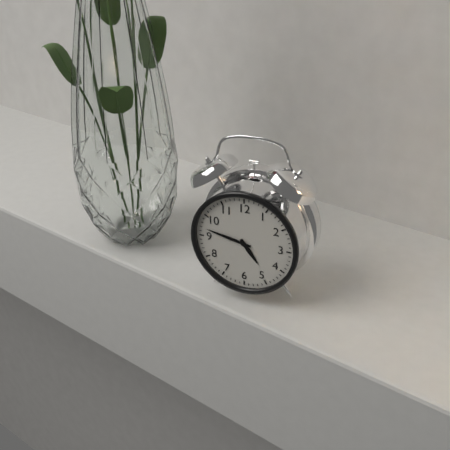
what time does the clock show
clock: 4:47
